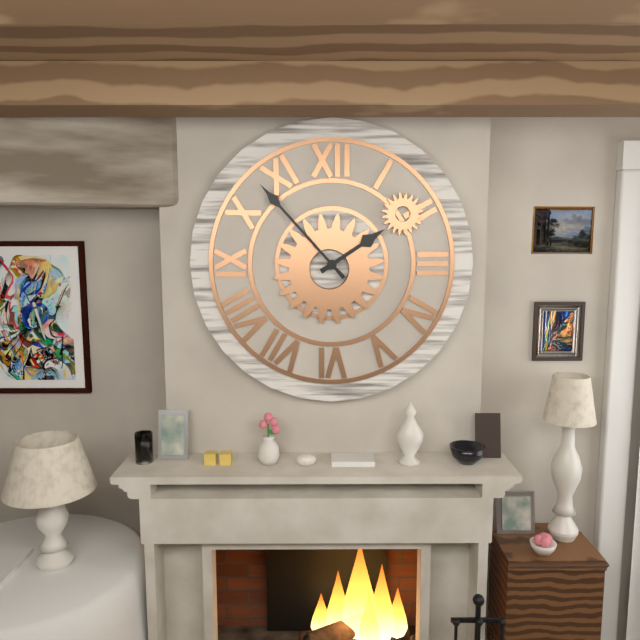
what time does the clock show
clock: 1:53
